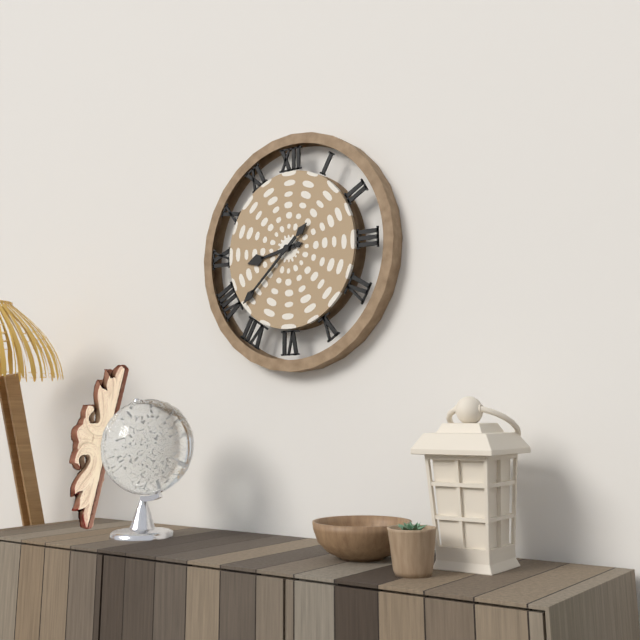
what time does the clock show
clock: 8:38
